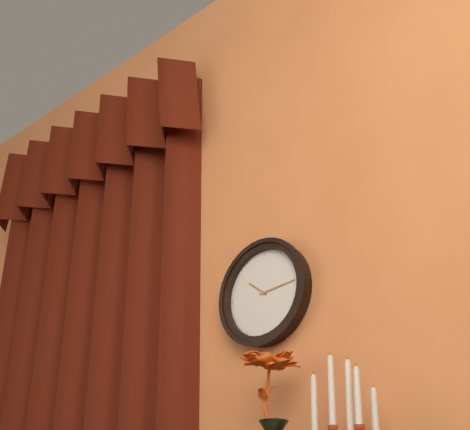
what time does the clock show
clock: 10:14
